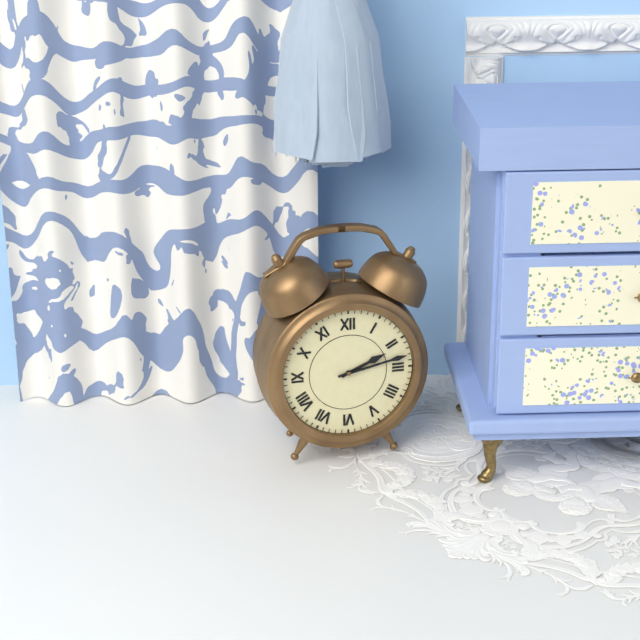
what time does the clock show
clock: 2:13
